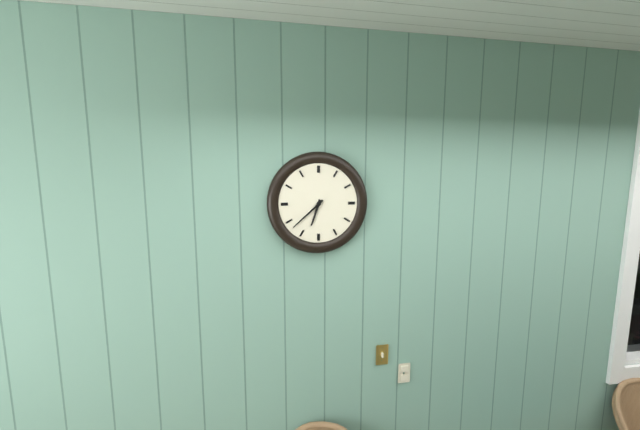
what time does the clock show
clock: 6:38
